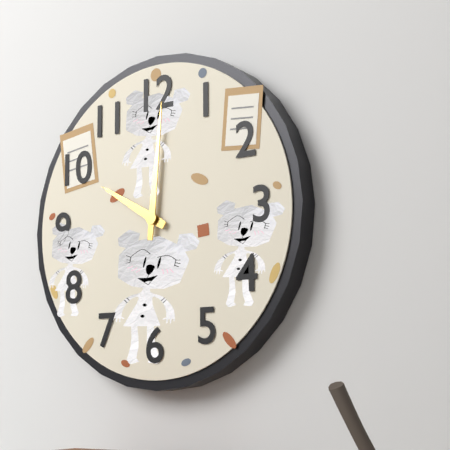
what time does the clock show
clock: 10:01
